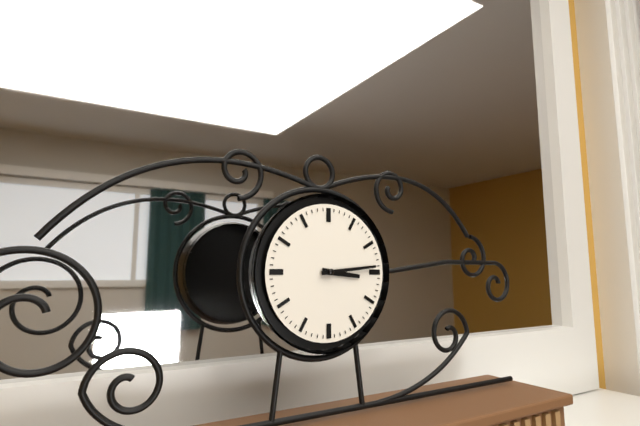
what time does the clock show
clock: 3:14
